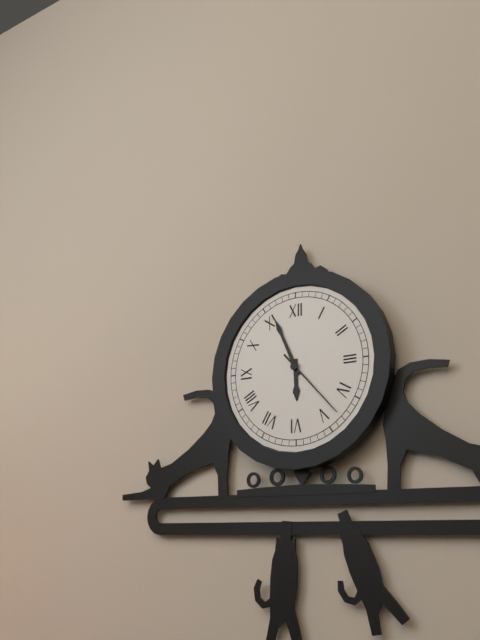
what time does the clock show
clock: 5:56:23
